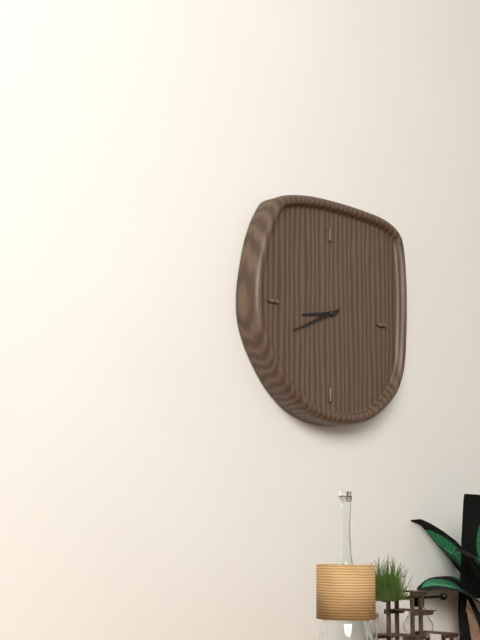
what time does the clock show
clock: 8:41
